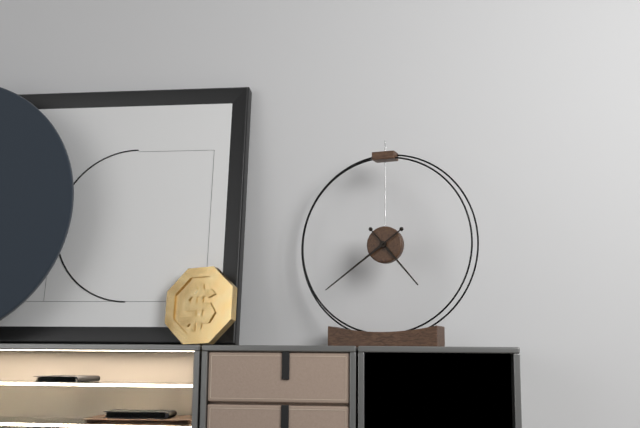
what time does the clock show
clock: 4:39
